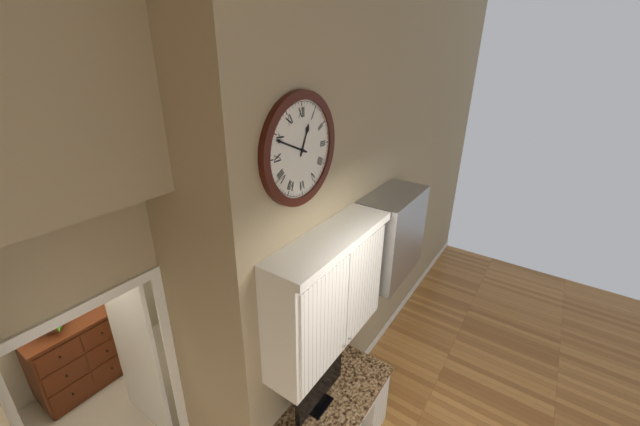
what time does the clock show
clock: 12:49
